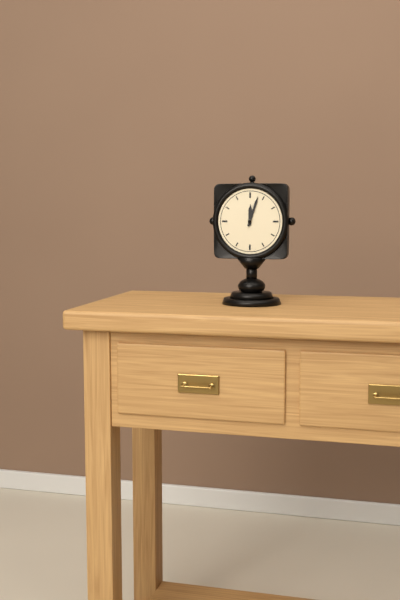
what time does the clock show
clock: 12:03
